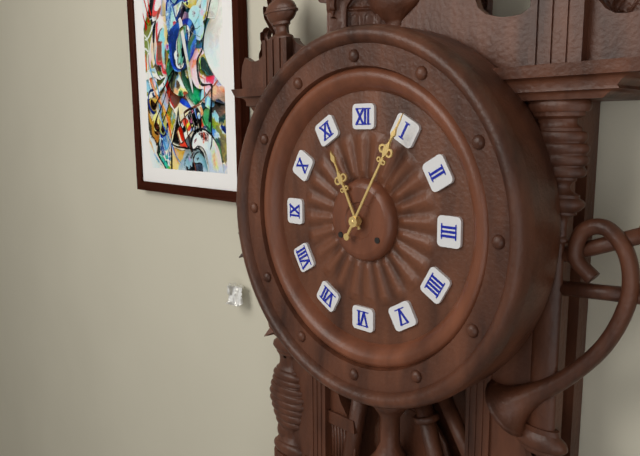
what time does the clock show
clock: 11:05
